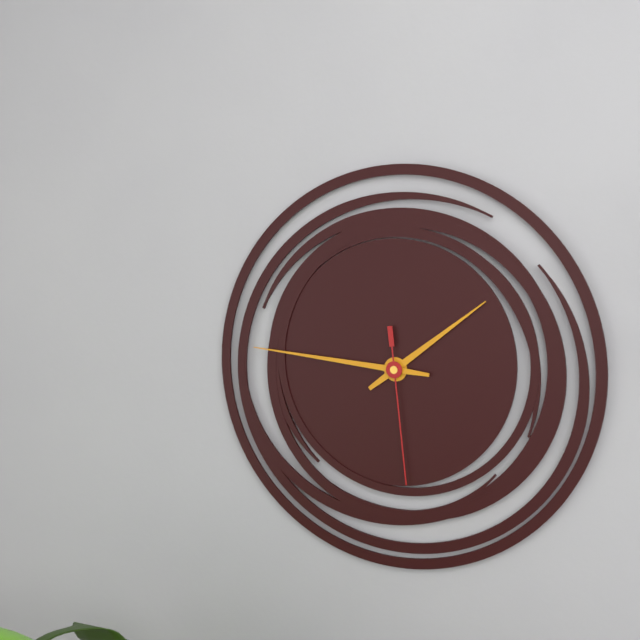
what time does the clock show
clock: 1:46:29
